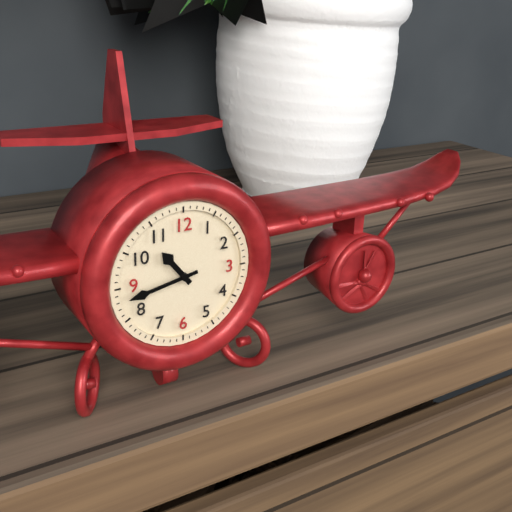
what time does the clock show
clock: 10:43
